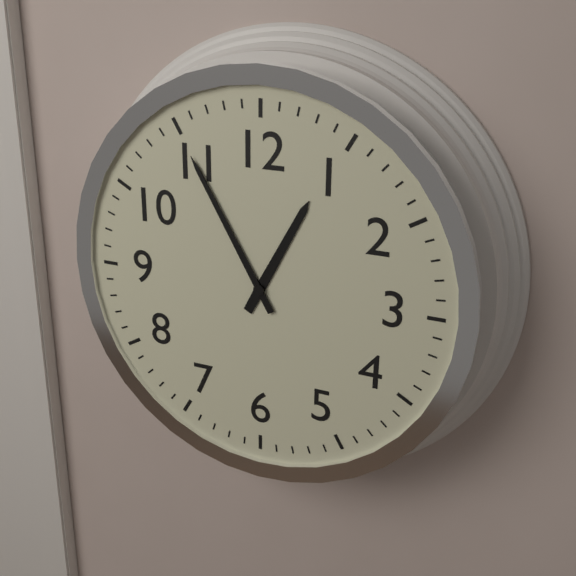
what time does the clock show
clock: 12:55
